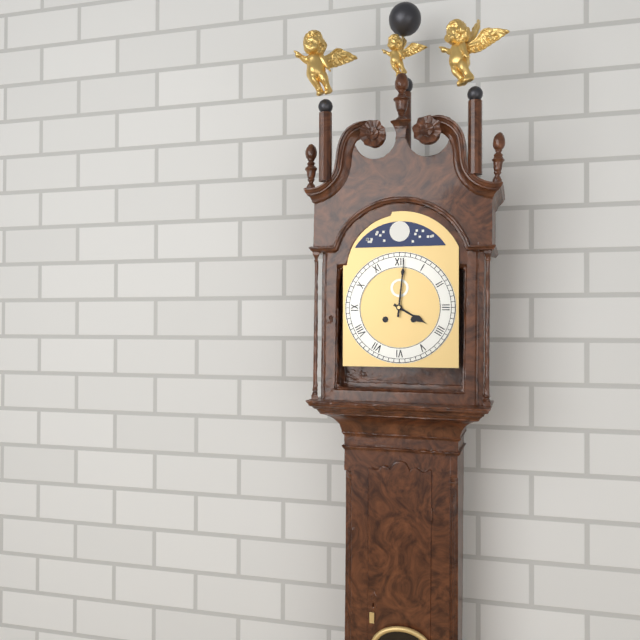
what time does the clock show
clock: 4:01
